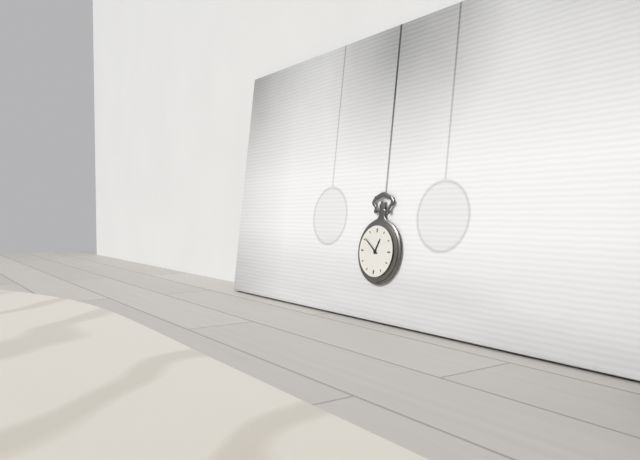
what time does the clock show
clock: 12:51
